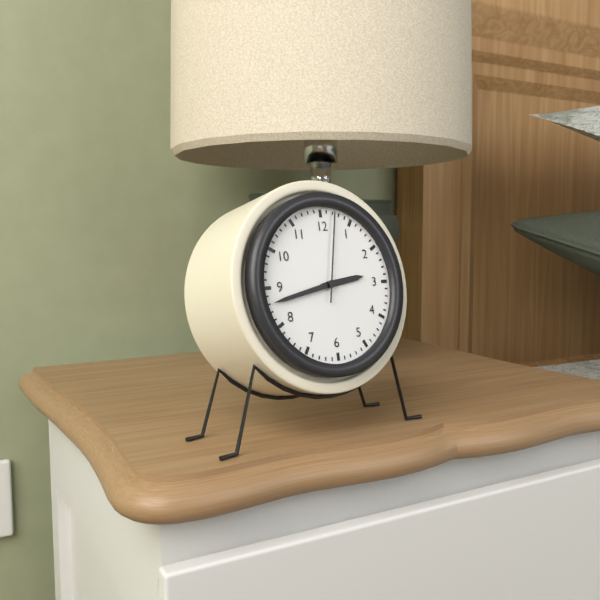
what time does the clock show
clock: 2:43:02
